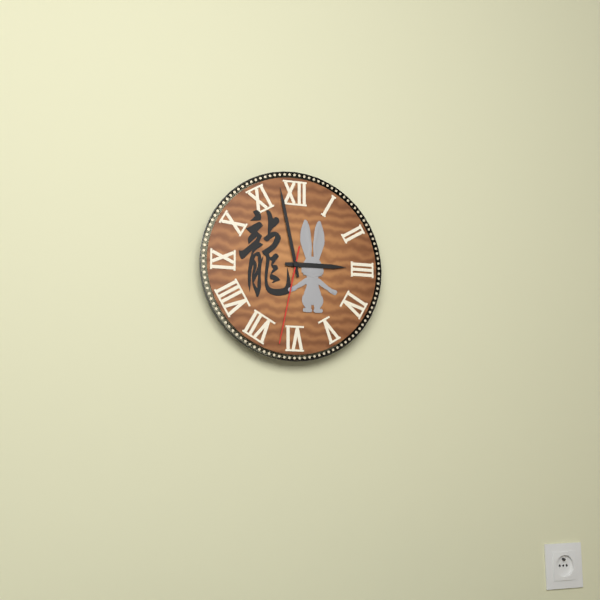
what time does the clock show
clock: 2:58:32
